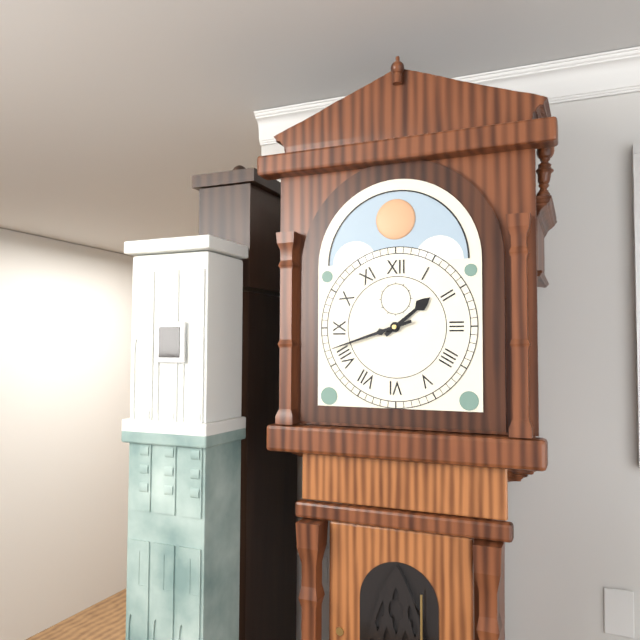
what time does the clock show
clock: 1:42
